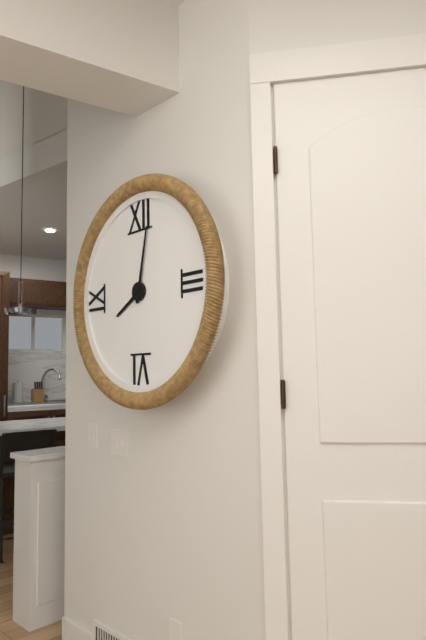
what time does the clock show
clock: 8:02
